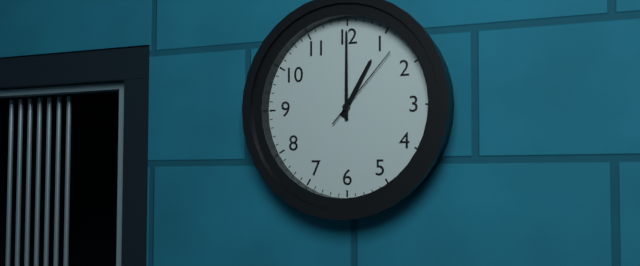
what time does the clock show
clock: 1:00:07
